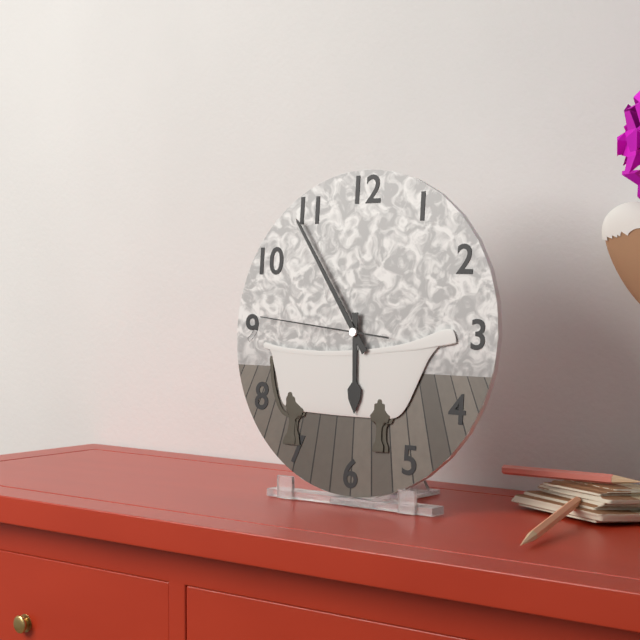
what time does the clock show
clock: 5:54:46
